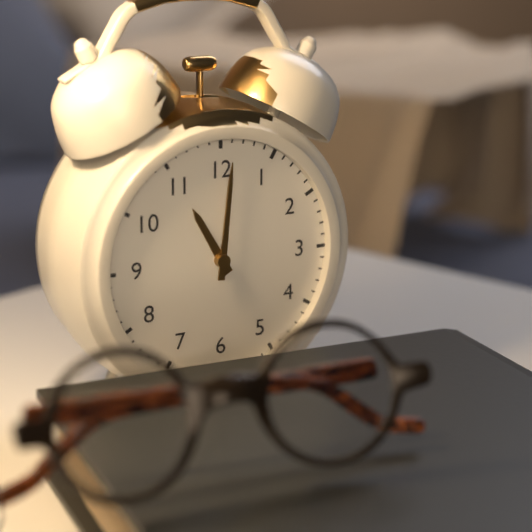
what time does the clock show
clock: 11:01
